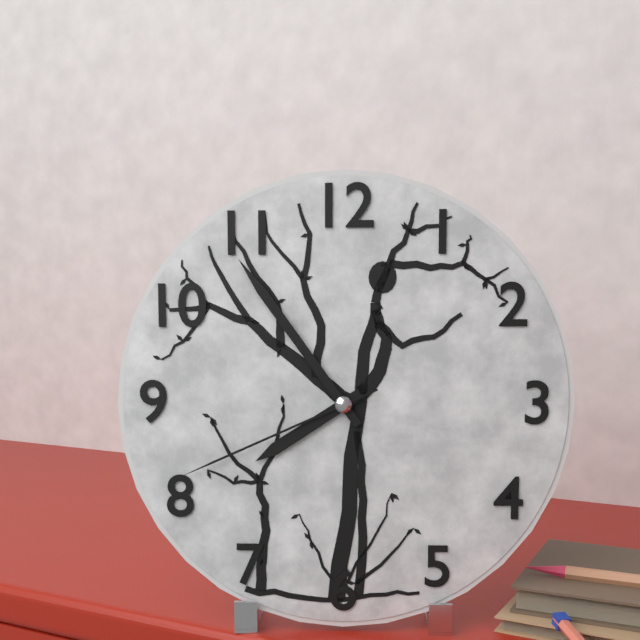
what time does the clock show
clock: 7:54:41
